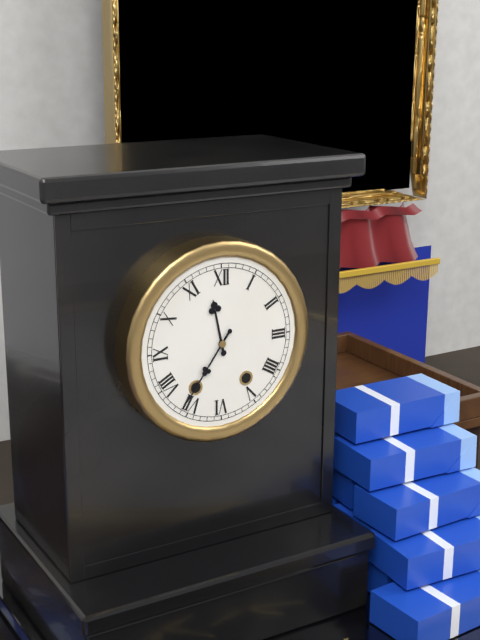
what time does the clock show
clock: 11:36
